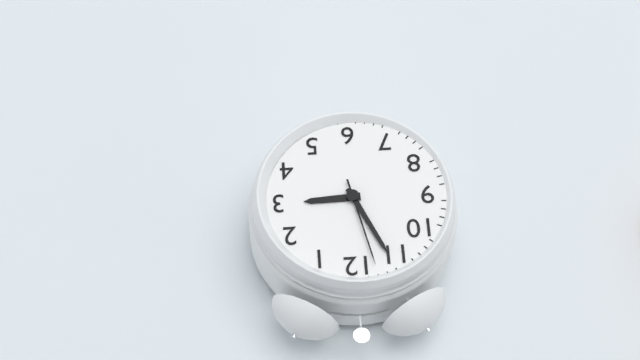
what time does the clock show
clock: 2:56:58
